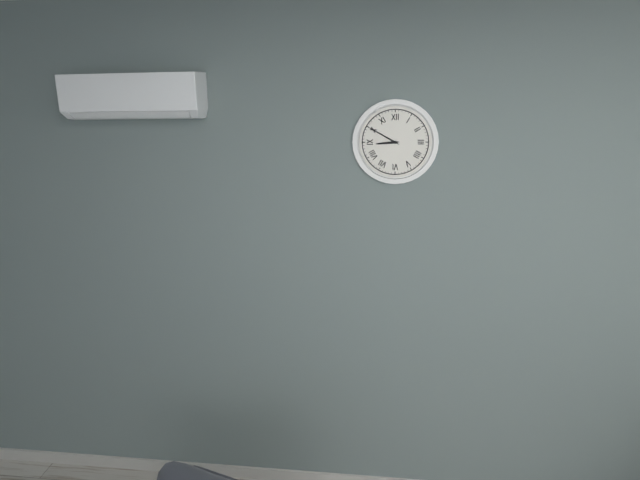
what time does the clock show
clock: 8:50
